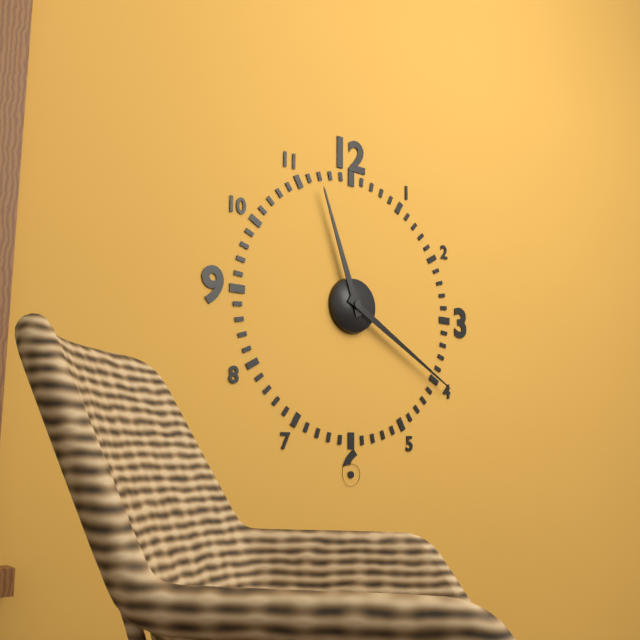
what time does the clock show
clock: 11:20
